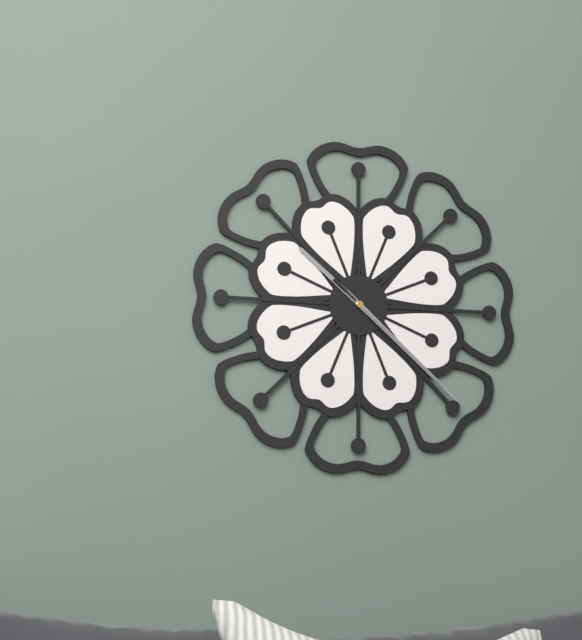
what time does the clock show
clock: 10:22:22
